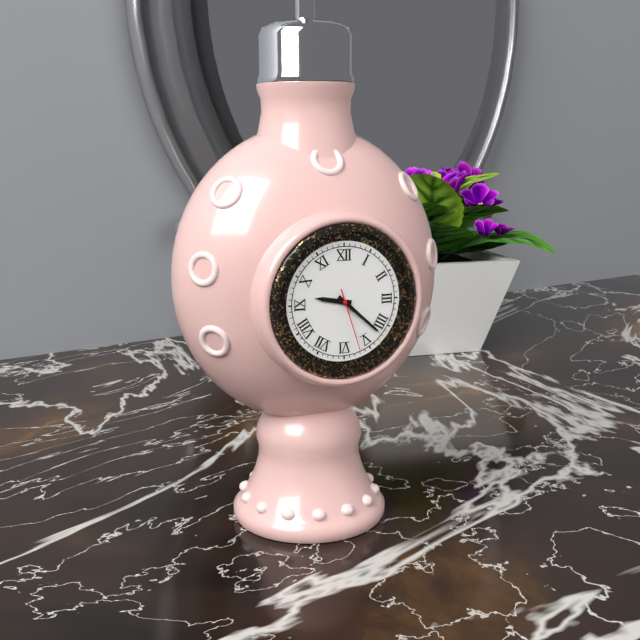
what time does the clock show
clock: 9:22:27
